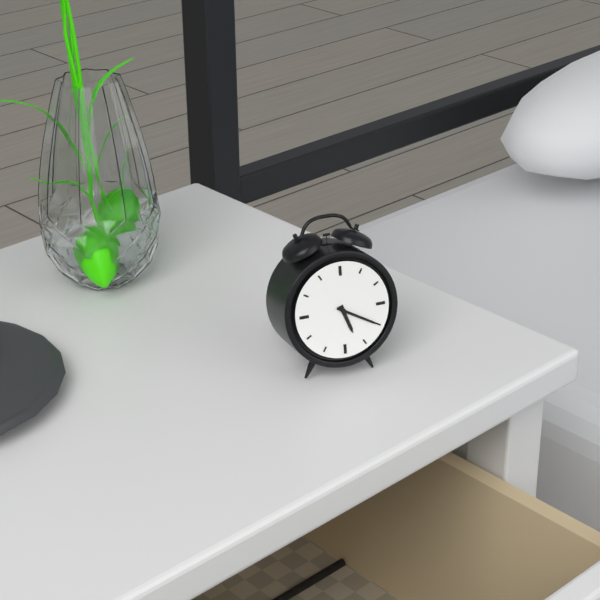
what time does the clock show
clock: 5:20
